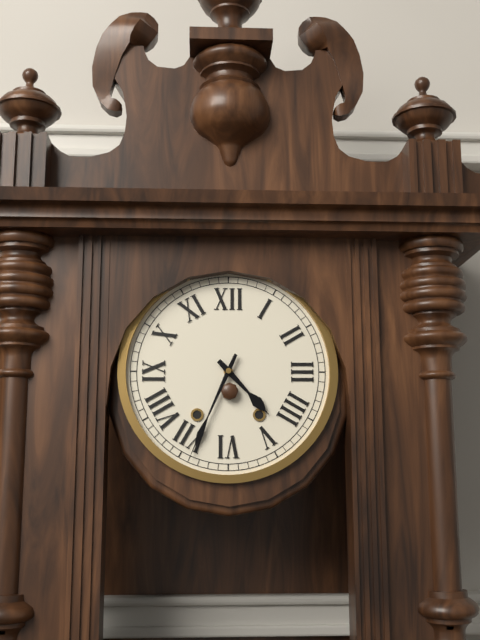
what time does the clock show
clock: 4:34
